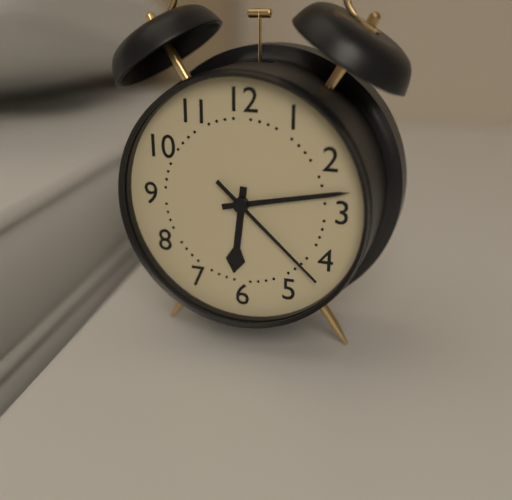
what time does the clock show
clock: 6:13:22
